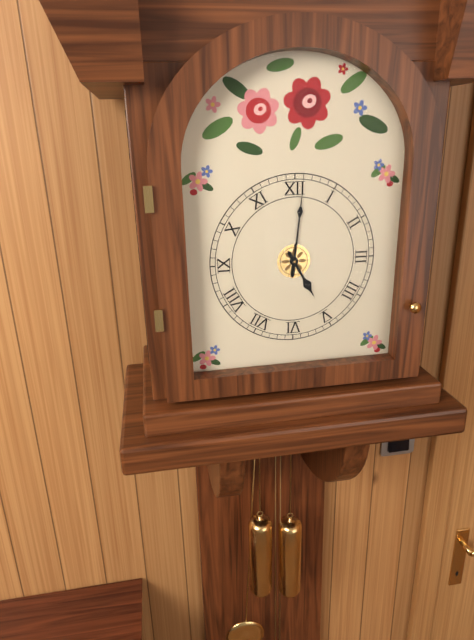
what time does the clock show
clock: 5:01
